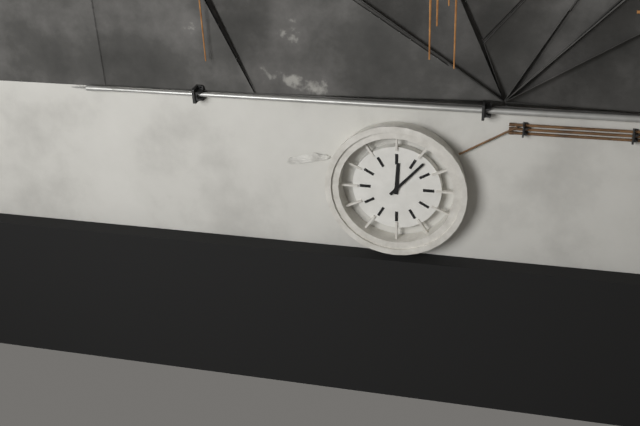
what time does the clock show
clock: 12:07
